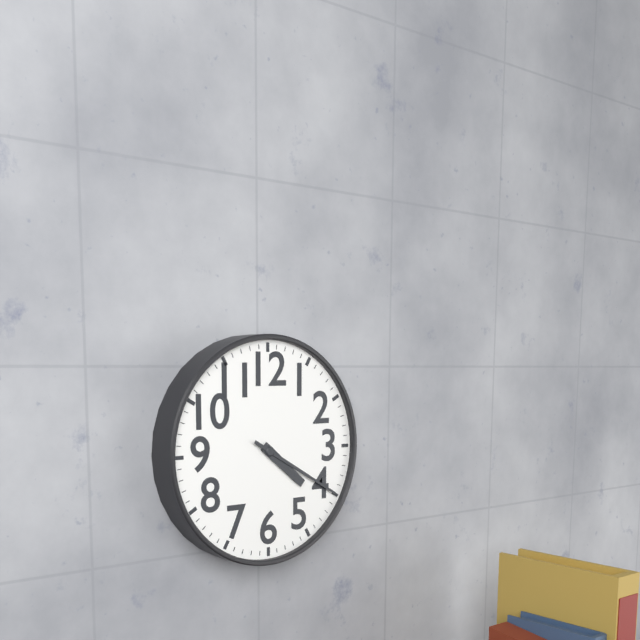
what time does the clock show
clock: 4:20
